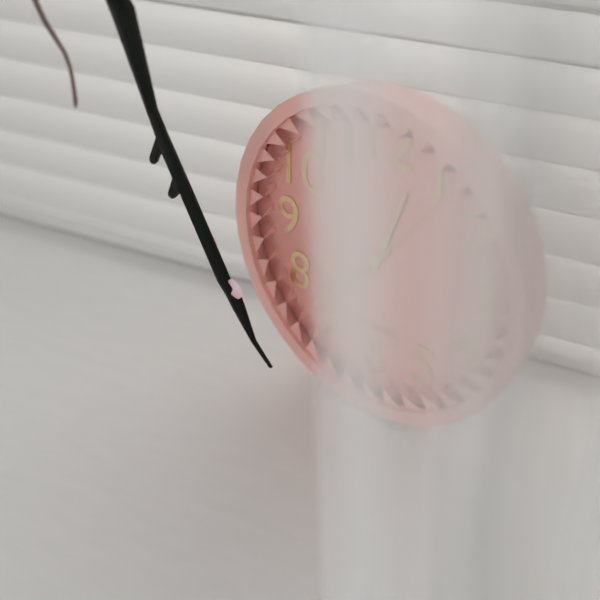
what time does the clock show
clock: 12:37:06
